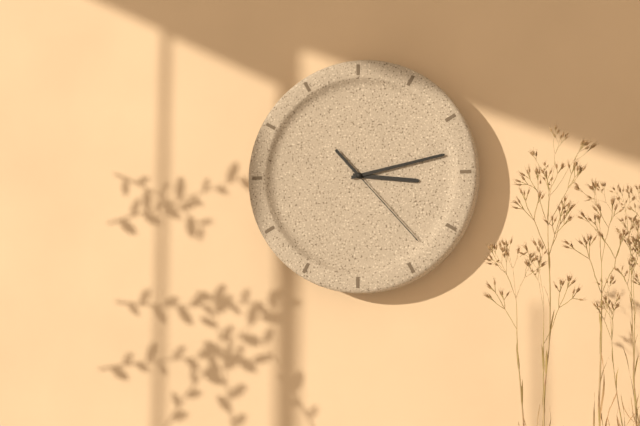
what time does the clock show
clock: 3:13:23
